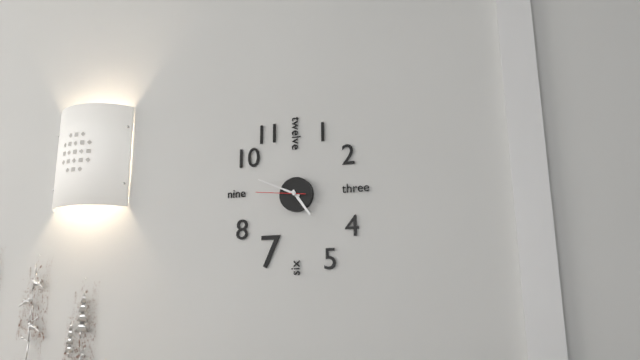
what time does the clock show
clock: 4:49
